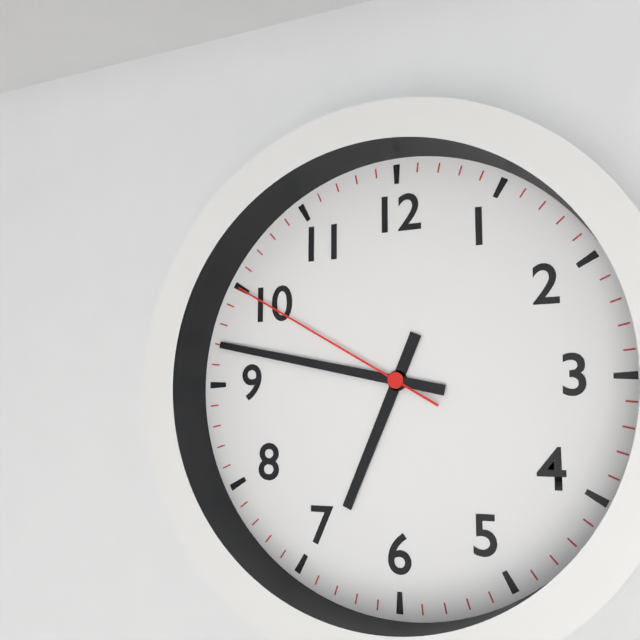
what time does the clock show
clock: 6:47:50
